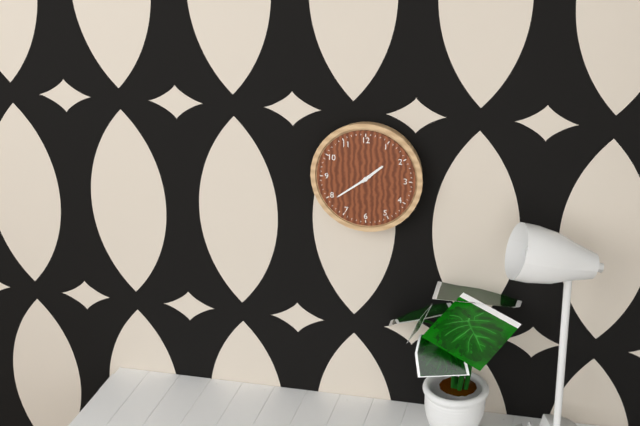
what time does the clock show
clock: 1:39
